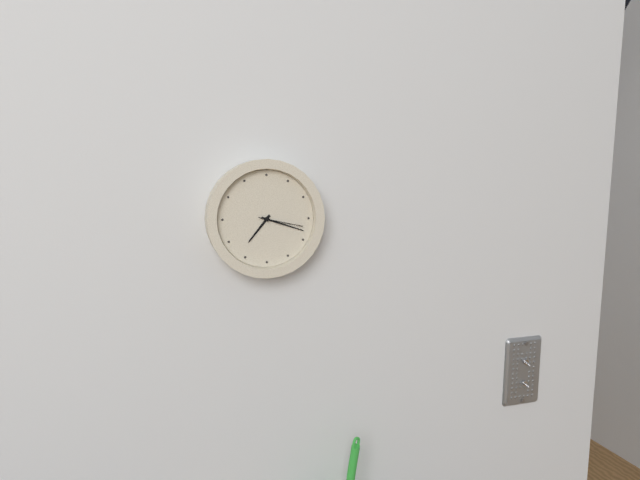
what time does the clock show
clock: 7:18
